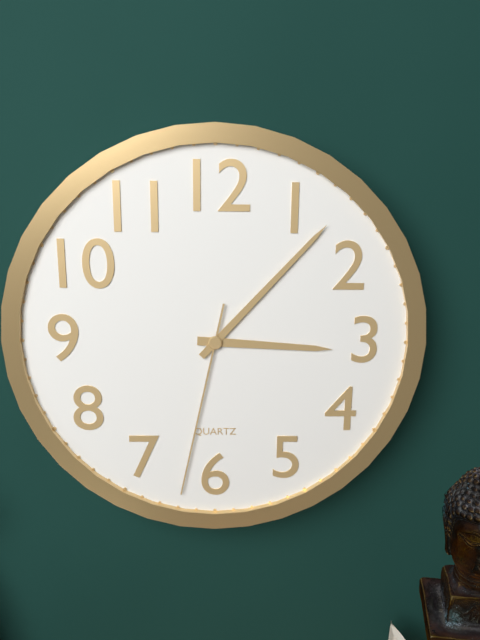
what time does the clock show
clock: 3:07:32
